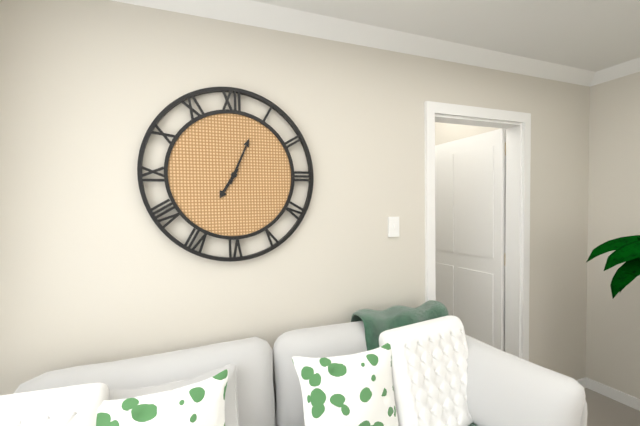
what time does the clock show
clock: 7:04
